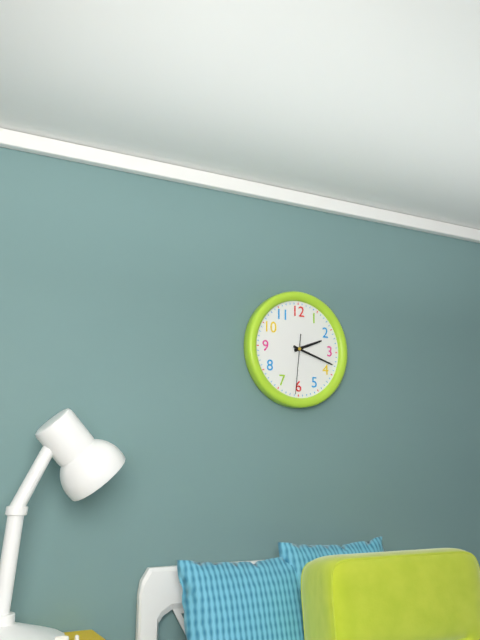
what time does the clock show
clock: 2:18:31
